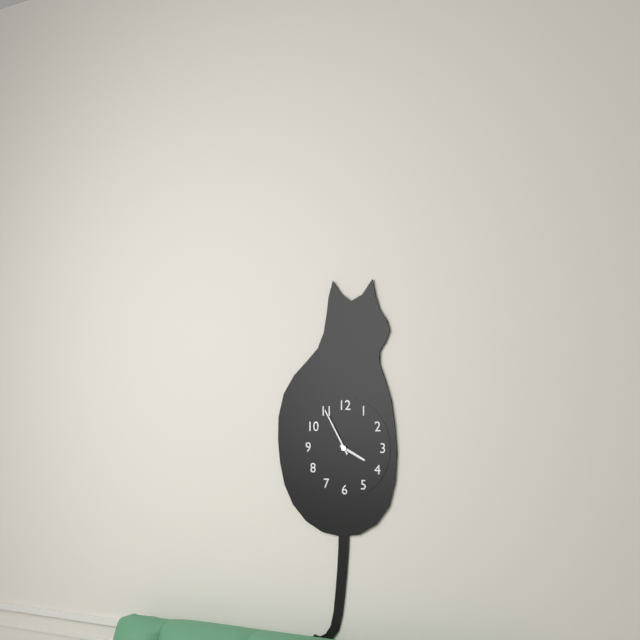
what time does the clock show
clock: 3:55
